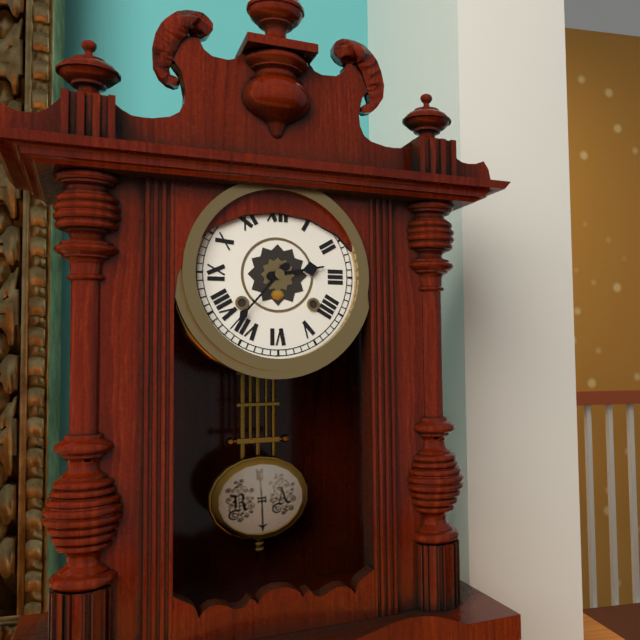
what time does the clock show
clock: 2:37
